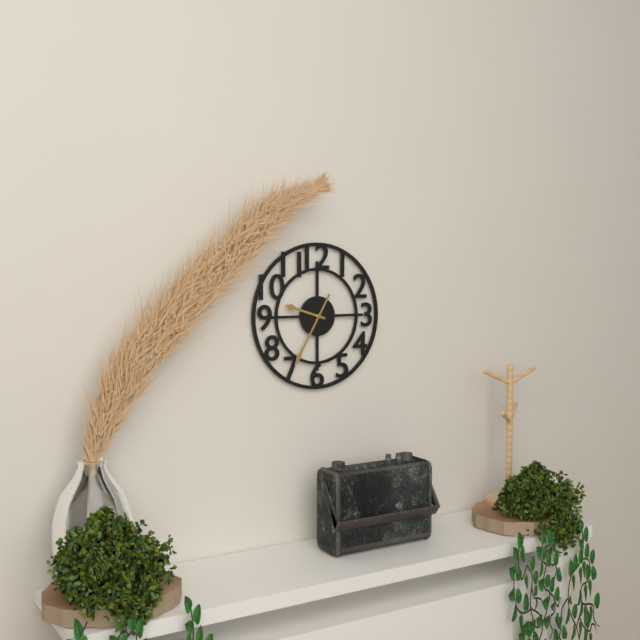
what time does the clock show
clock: 9:35
